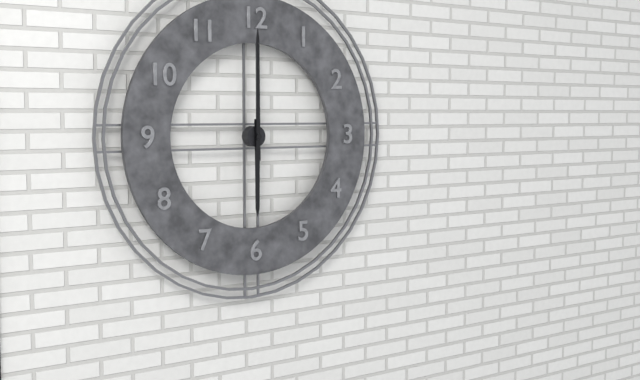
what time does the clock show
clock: 6:00
